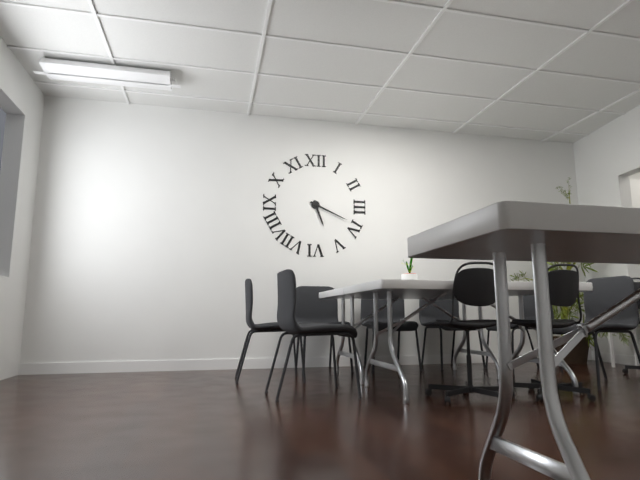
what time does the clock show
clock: 5:19
